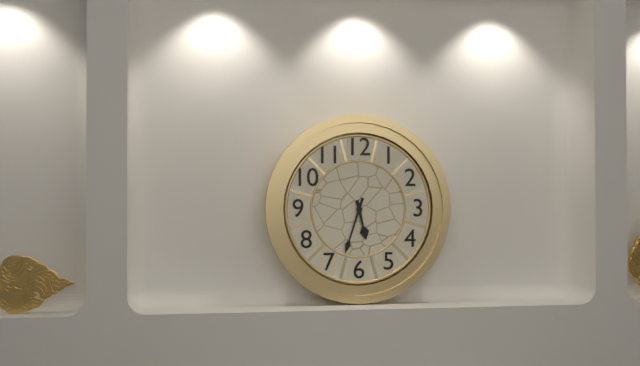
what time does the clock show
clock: 5:33
